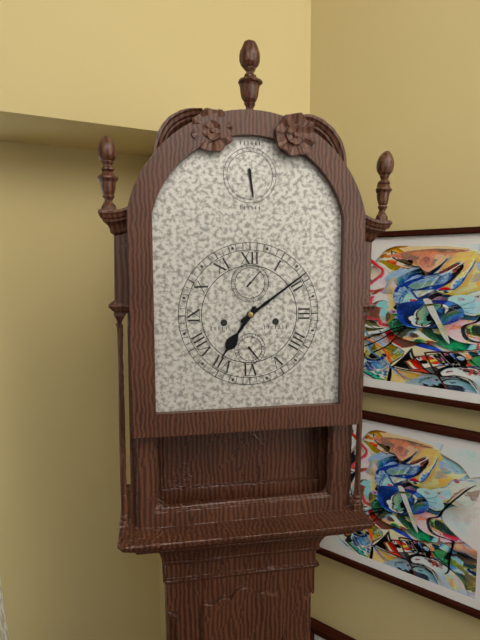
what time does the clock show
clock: 7:09
